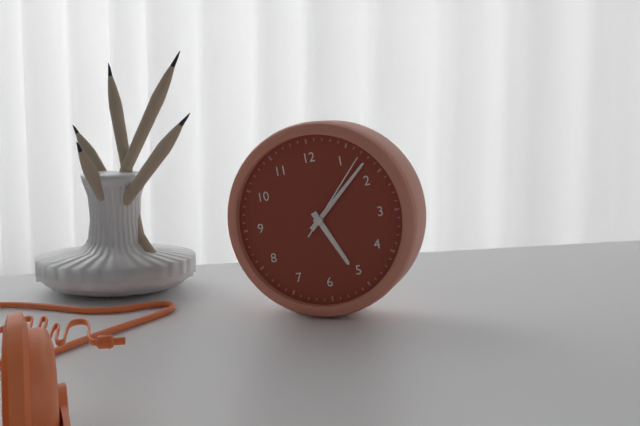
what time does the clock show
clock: 5:08:07
